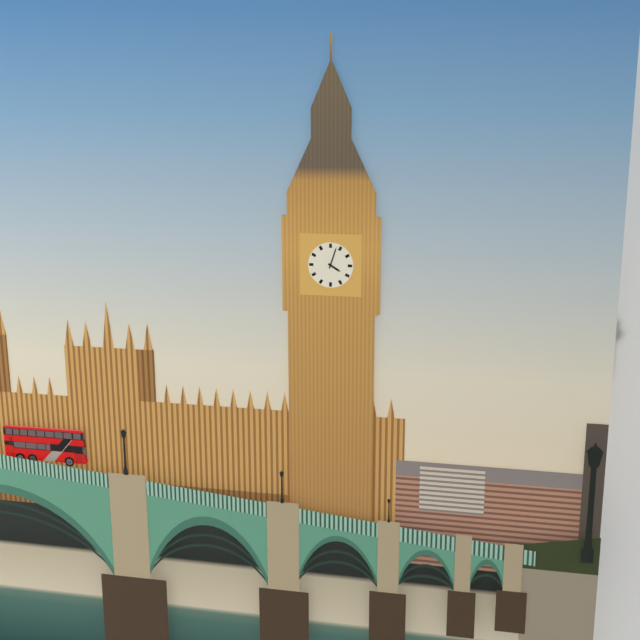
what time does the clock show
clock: 4:03
